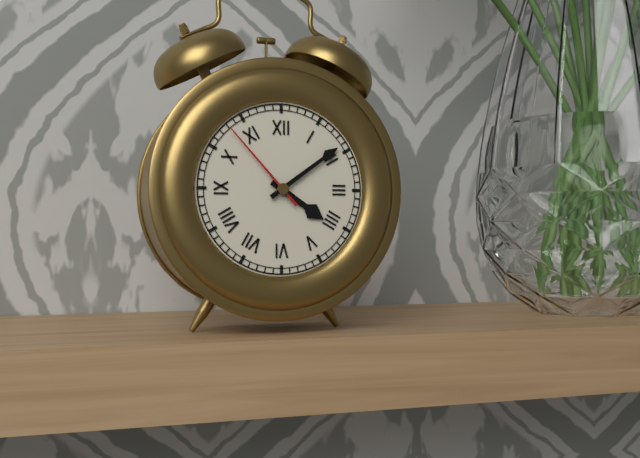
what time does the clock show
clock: 4:09:53
